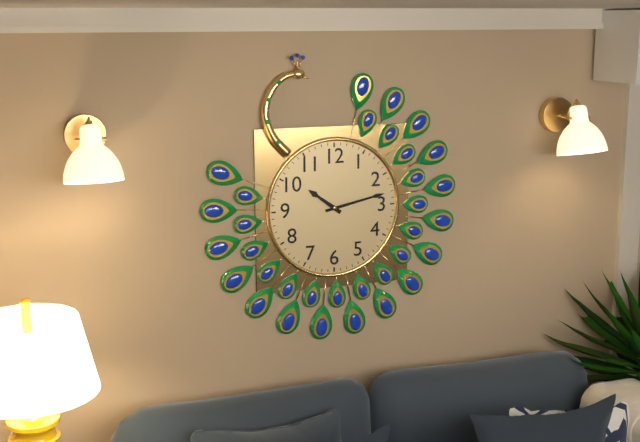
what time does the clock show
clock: 10:13
